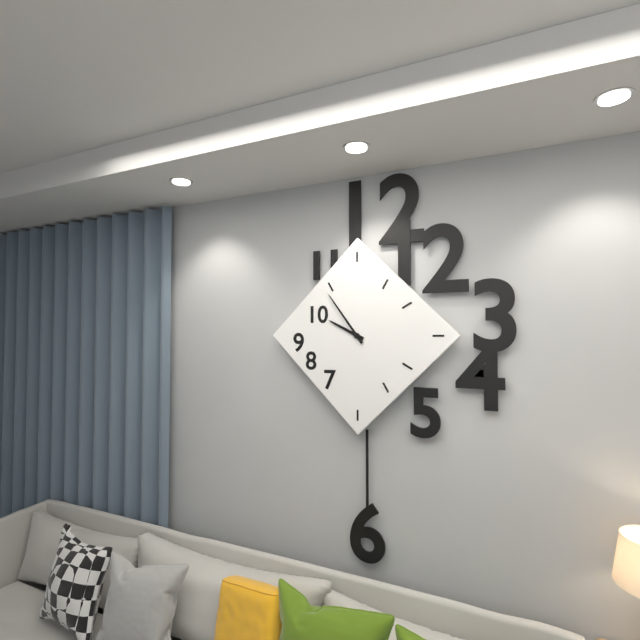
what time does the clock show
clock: 9:54
